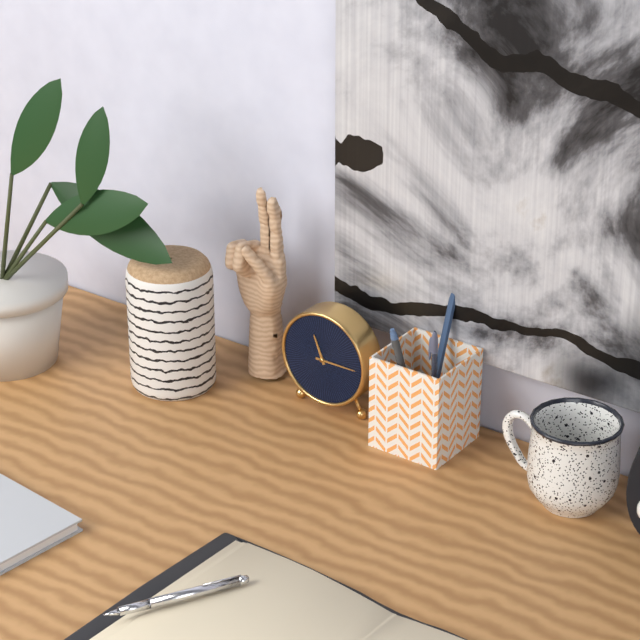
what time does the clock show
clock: 11:15
